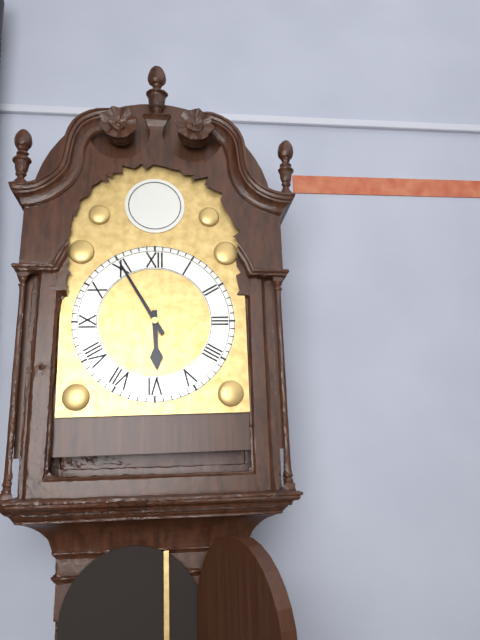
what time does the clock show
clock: 5:55
